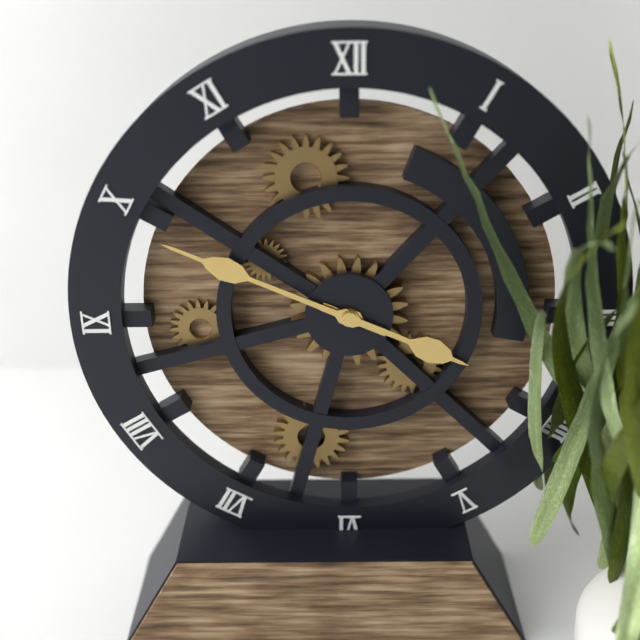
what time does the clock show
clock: 3:49
